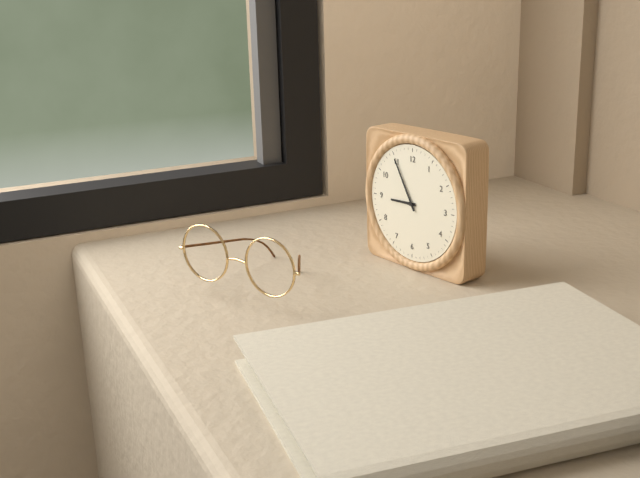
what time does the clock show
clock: 8:55
